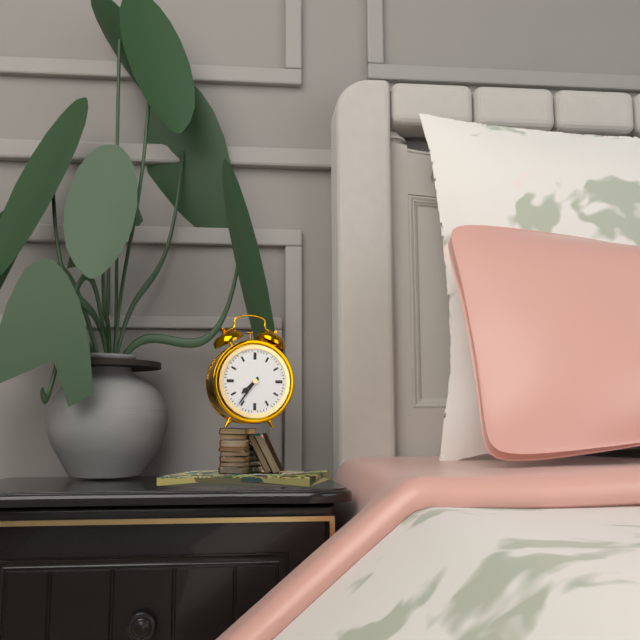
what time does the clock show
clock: 7:36
